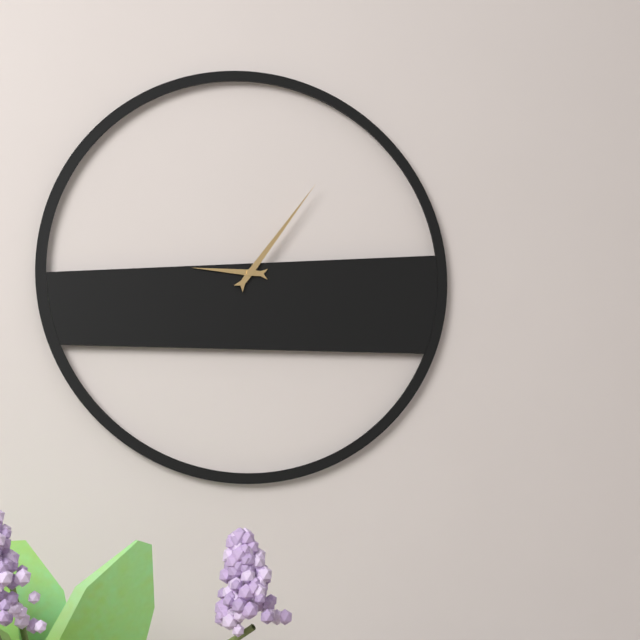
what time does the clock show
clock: 9:06
